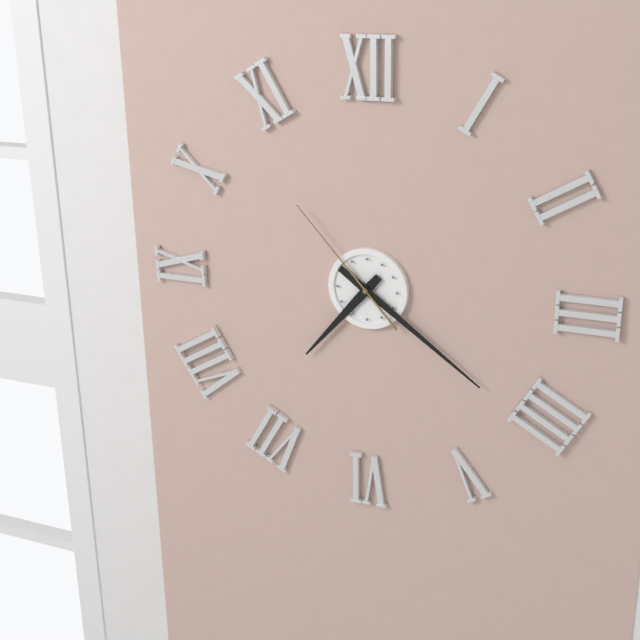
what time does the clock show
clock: 7:21:53
